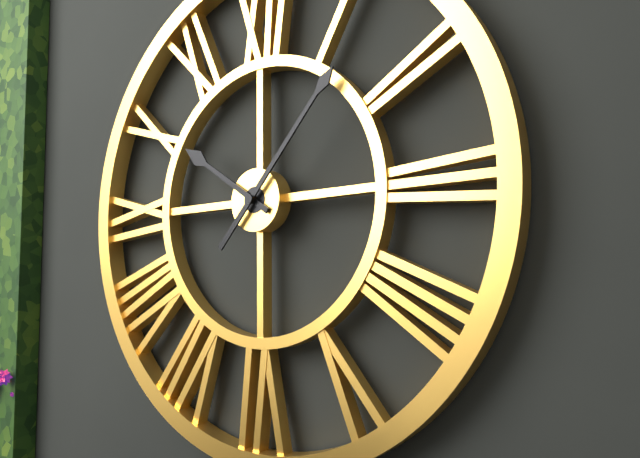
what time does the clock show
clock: 10:07
